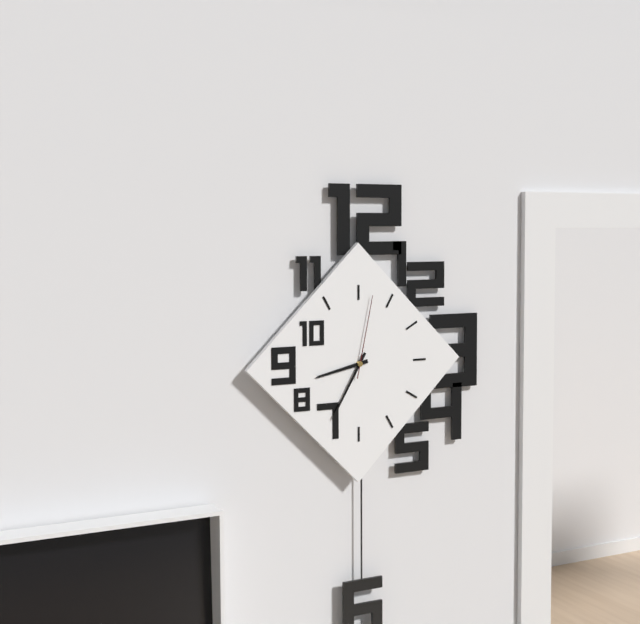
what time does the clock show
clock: 8:35:02
